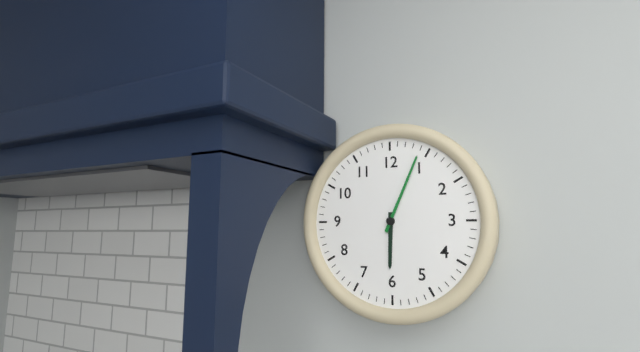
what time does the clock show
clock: 6:04
